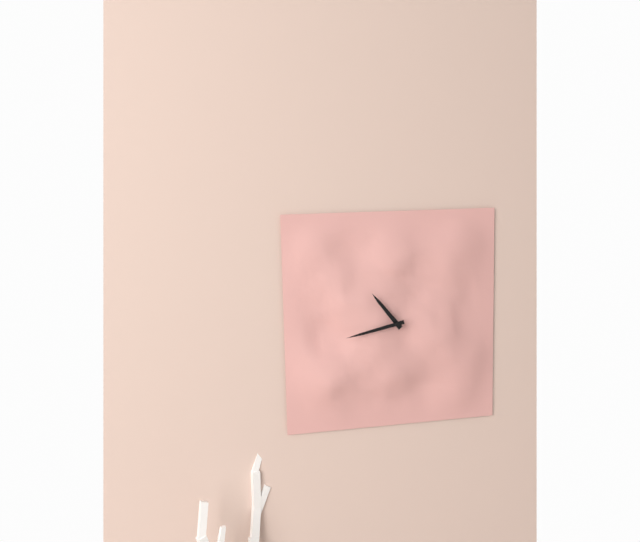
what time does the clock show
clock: 10:43
